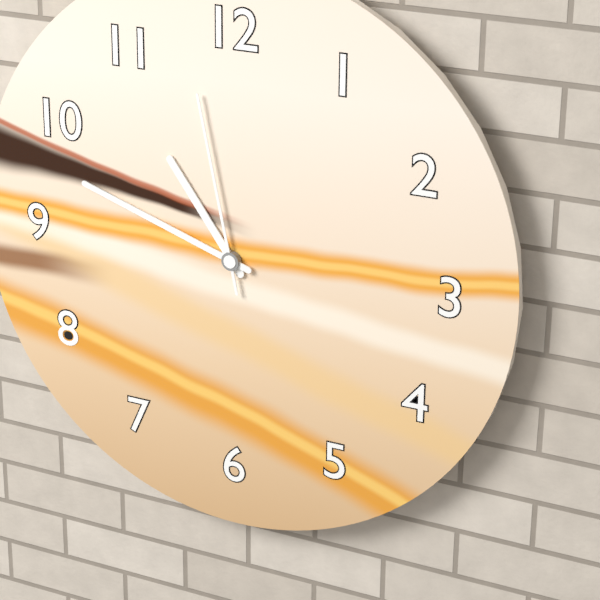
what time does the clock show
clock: 10:48:58
